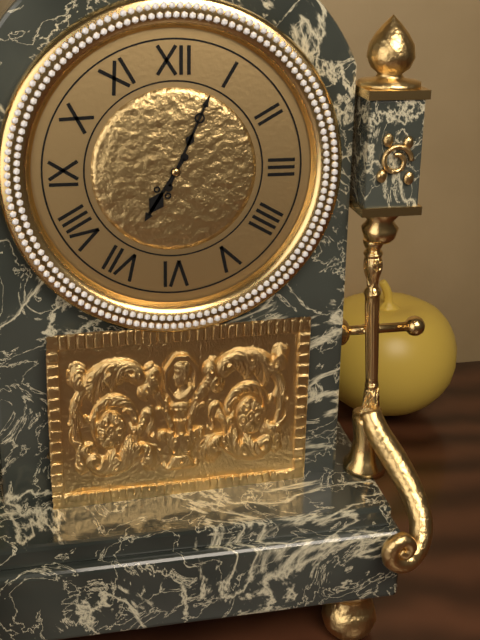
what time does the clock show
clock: 7:04
